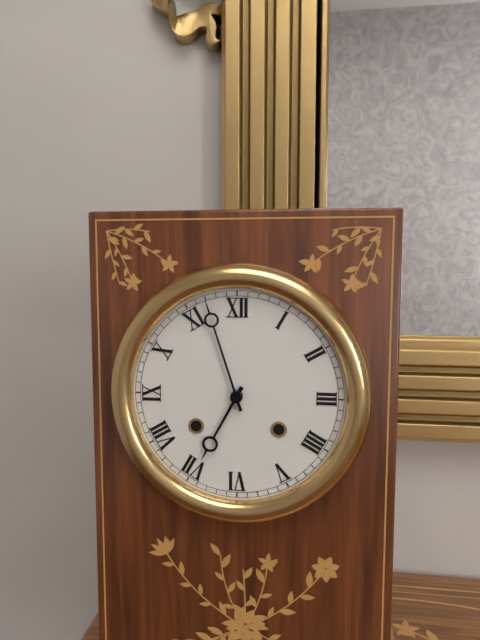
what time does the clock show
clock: 6:57
